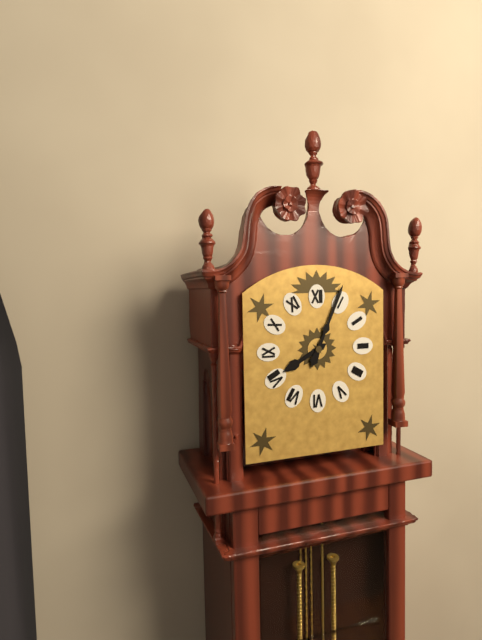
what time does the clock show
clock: 8:04
